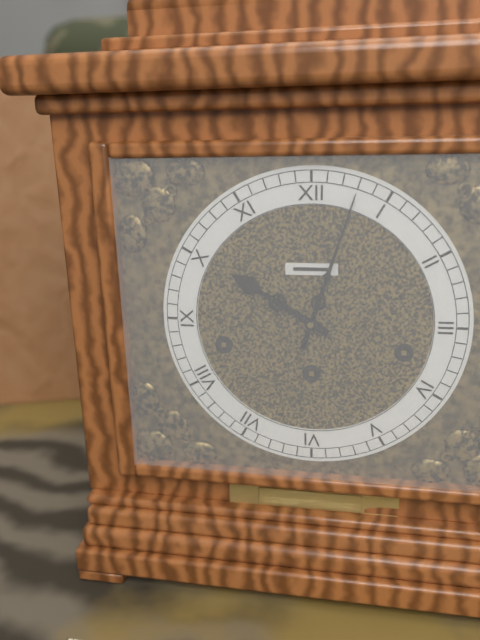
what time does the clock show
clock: 10:03
